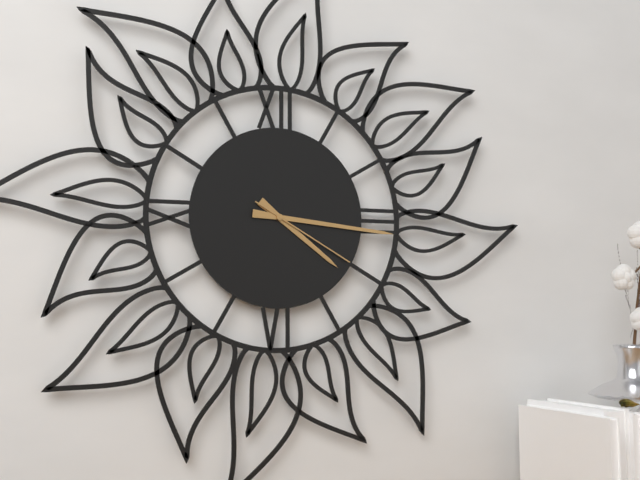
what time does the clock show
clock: 4:16:20
